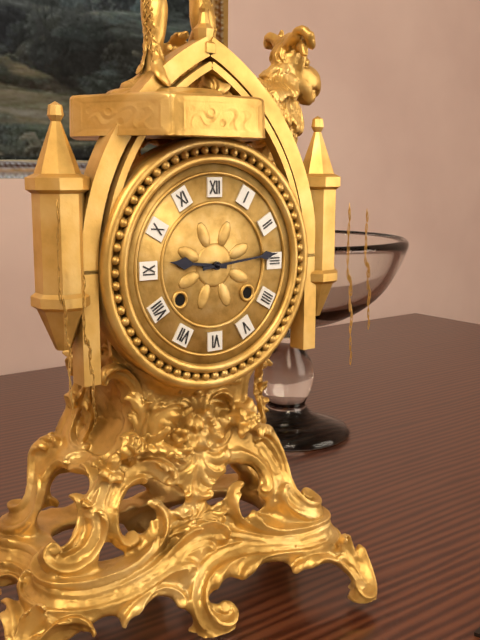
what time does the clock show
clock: 9:14
